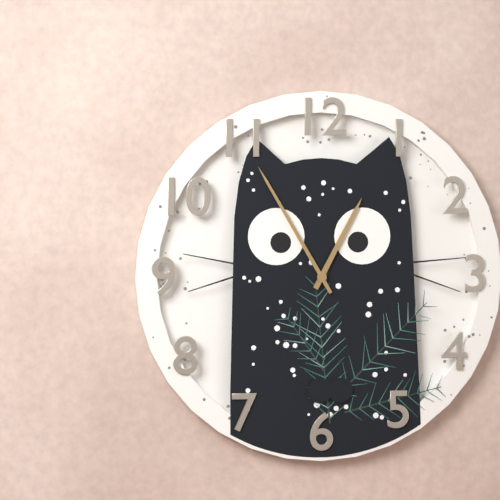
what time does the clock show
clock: 12:55
